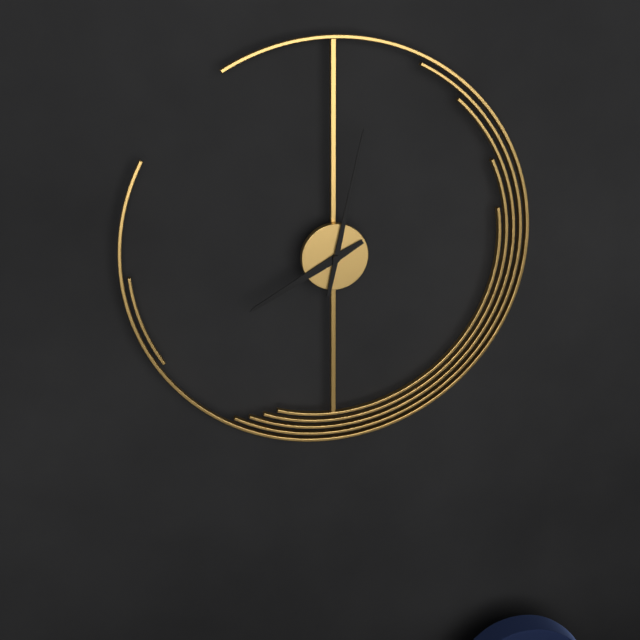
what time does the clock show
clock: 8:02
